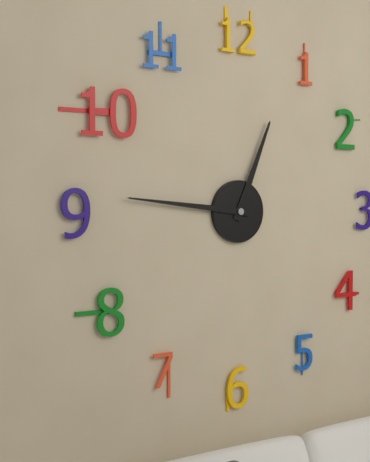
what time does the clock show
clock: 12:46
